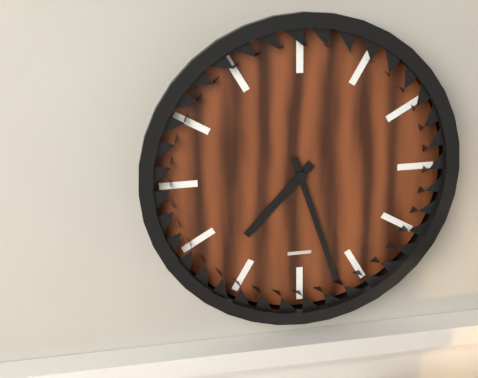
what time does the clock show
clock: 7:27
